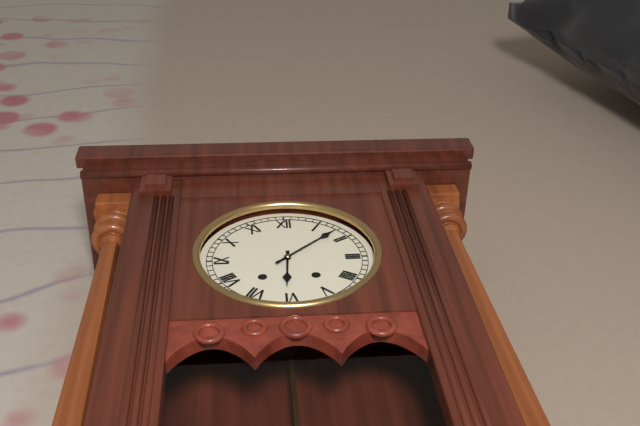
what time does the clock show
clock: 6:08
